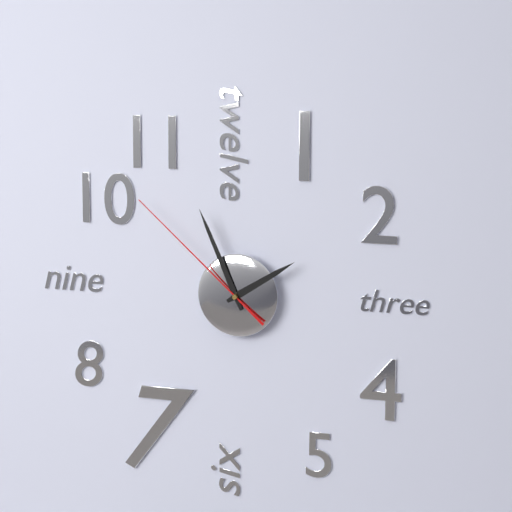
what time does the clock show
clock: 1:56:52
